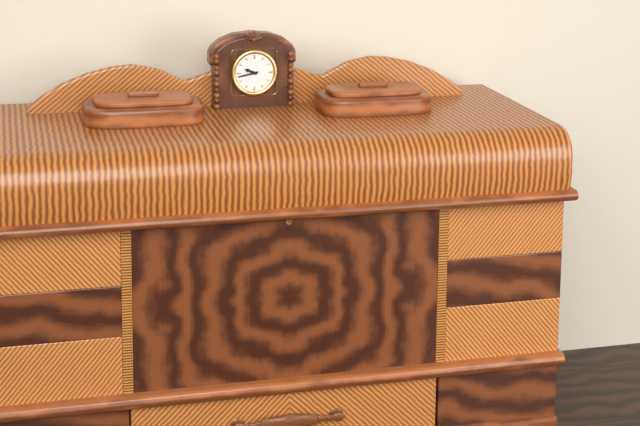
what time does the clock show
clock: 9:43
